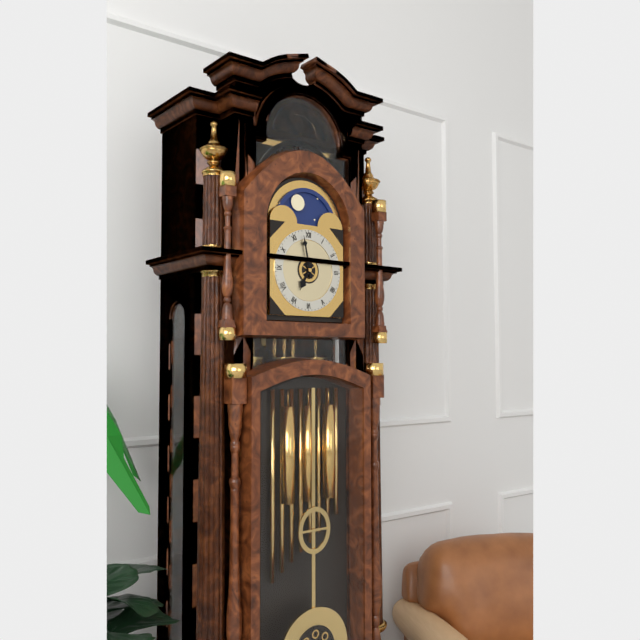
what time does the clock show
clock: 6:58
